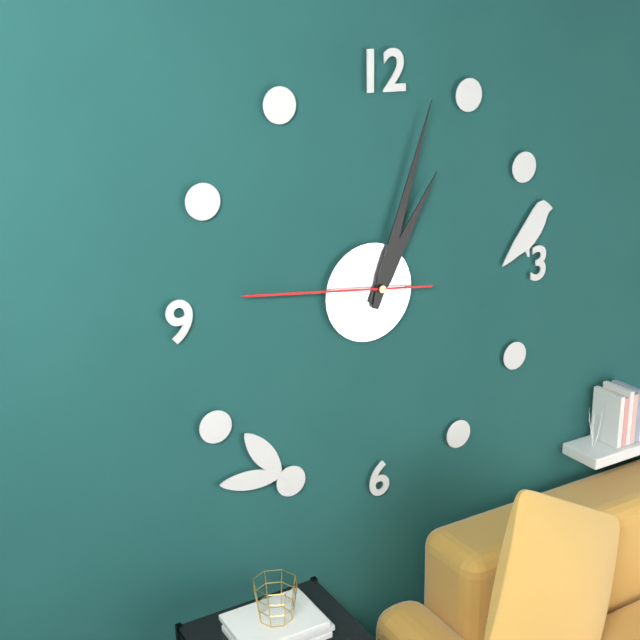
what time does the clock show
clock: 1:03:46
